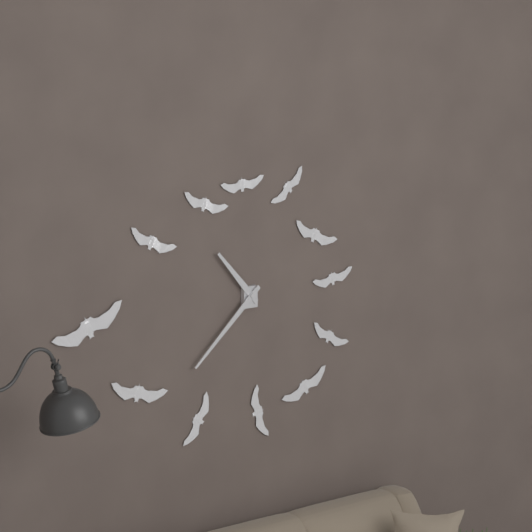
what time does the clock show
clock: 10:38
